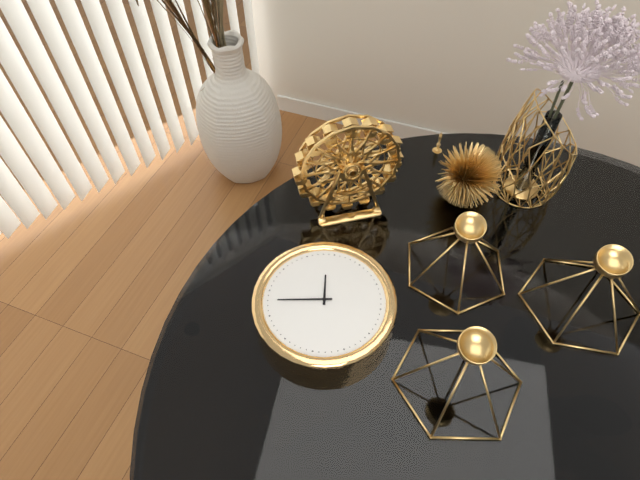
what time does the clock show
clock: 11:43
